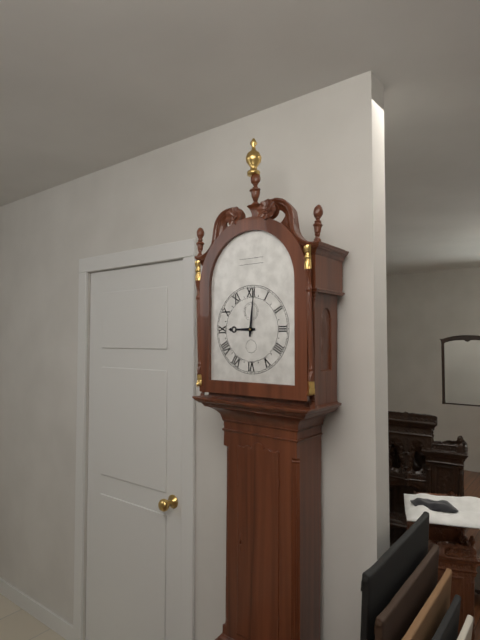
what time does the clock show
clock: 9:01
